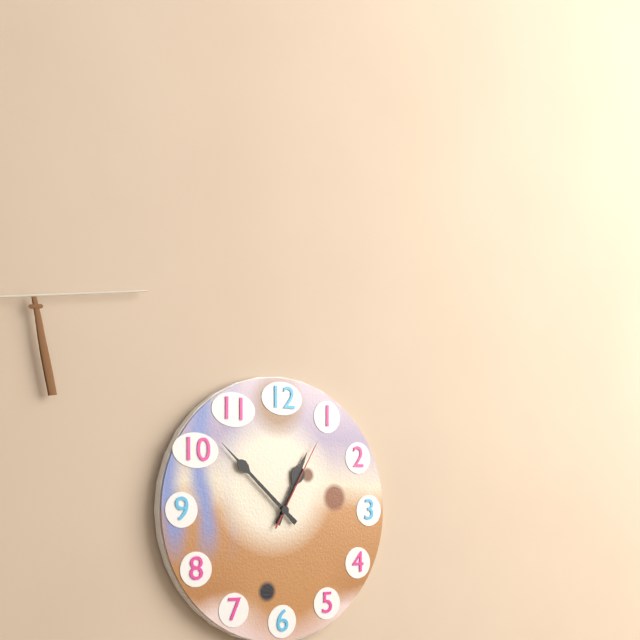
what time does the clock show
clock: 12:52:05
